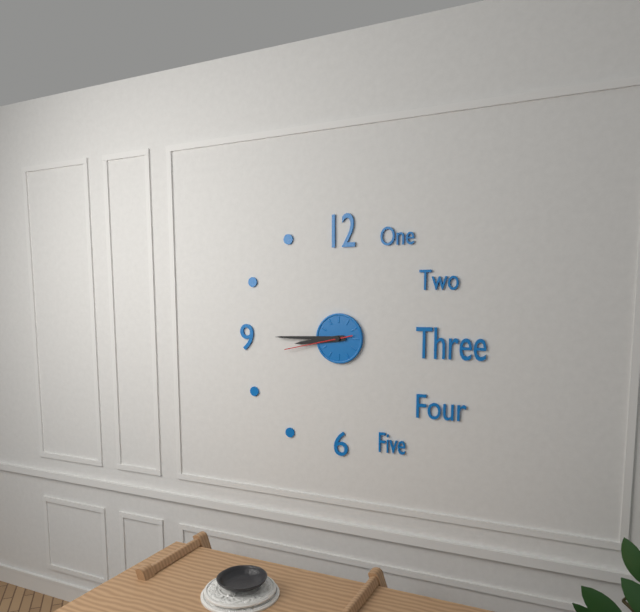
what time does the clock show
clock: 8:45:43
